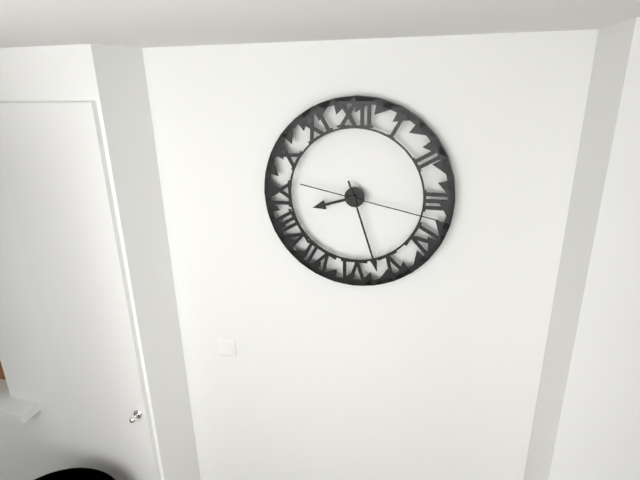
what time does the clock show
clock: 8:27:17
